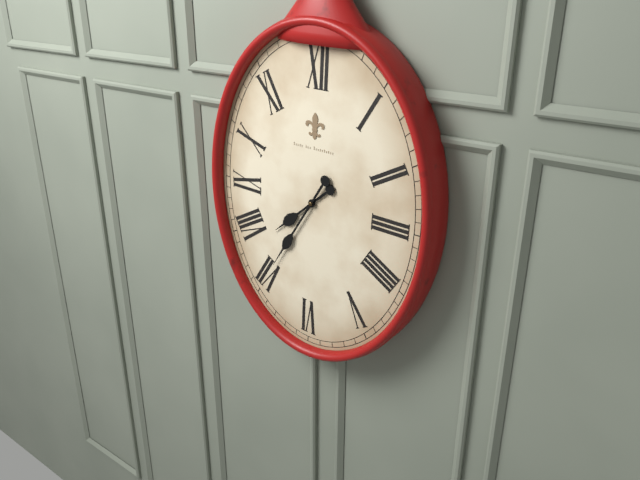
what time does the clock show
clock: 7:35
